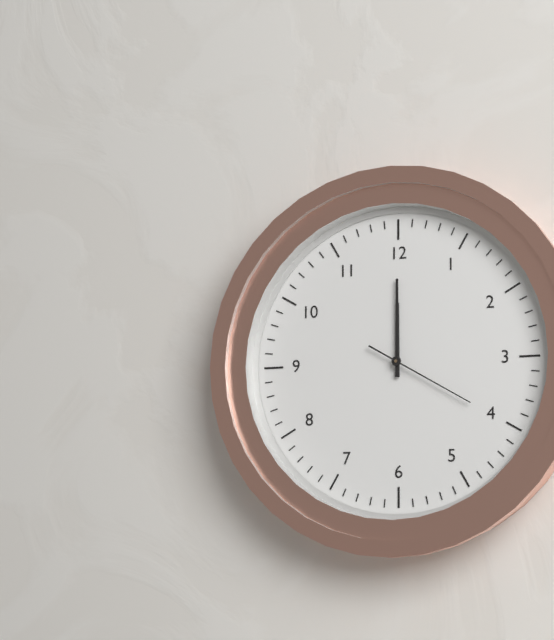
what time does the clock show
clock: 12:00:20
